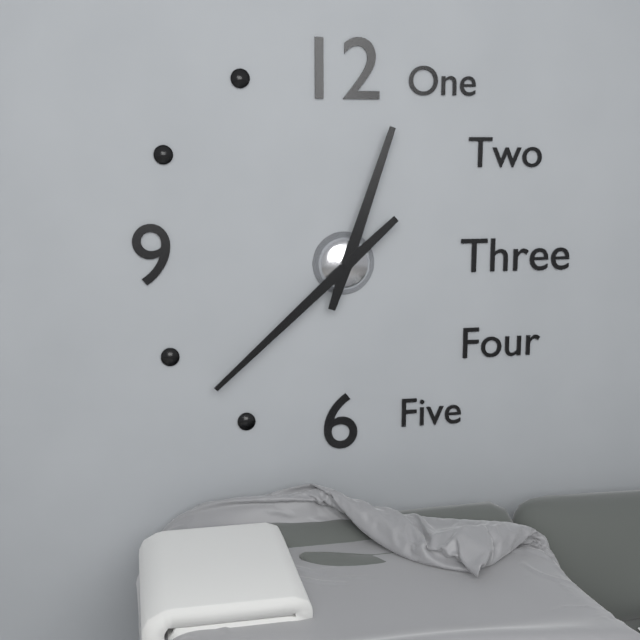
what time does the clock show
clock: 12:38
